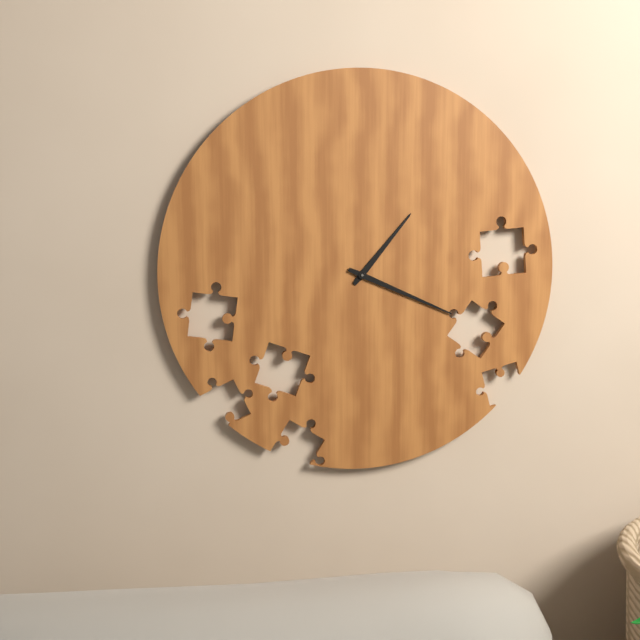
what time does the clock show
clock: 1:19
